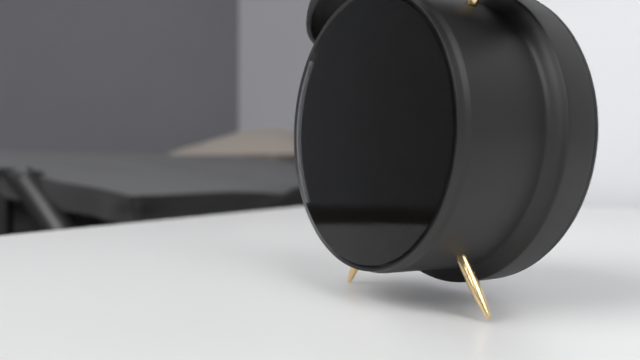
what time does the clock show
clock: 1:53:18
